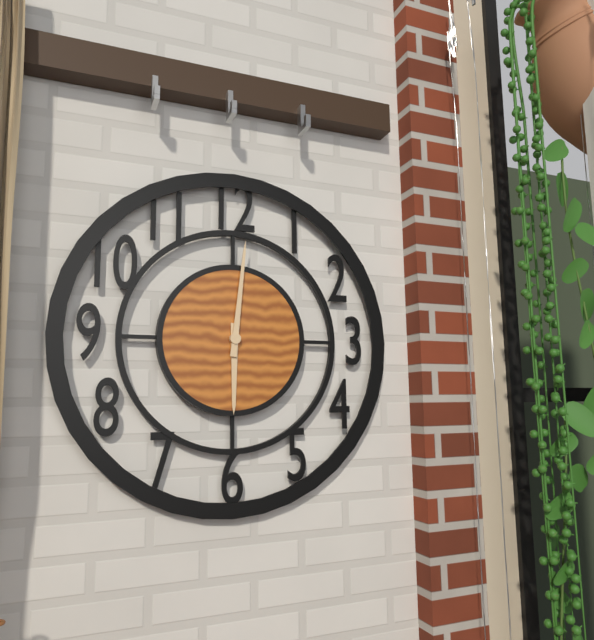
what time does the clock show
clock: 6:01
